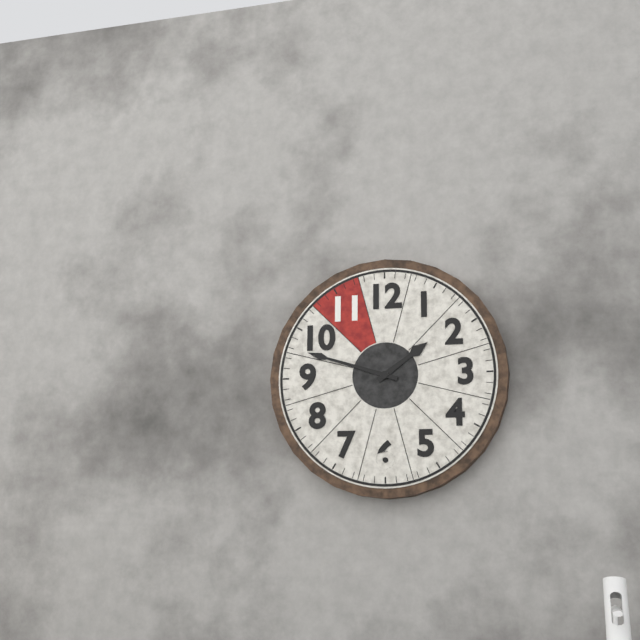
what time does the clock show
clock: 1:48
